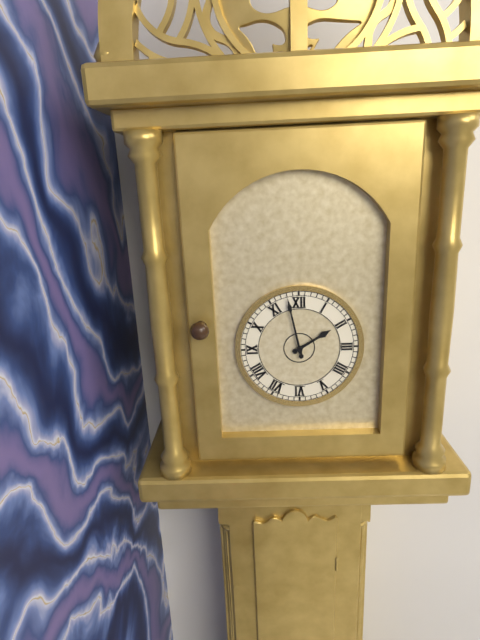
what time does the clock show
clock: 1:58
